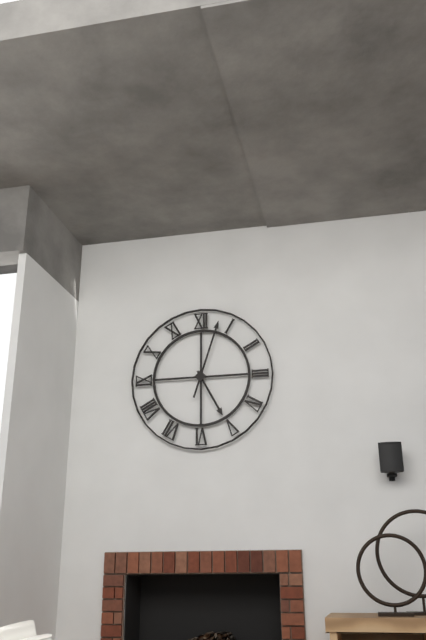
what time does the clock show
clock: 5:03
